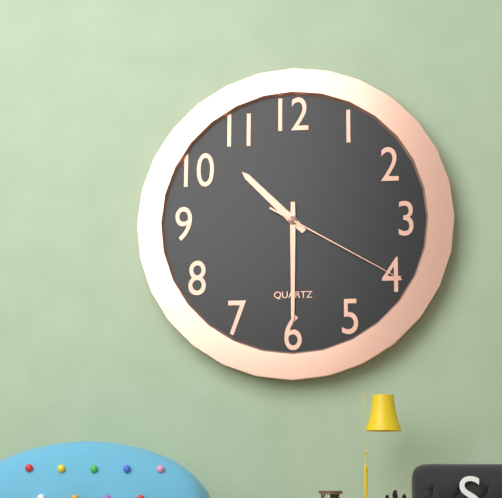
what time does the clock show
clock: 10:30:20
